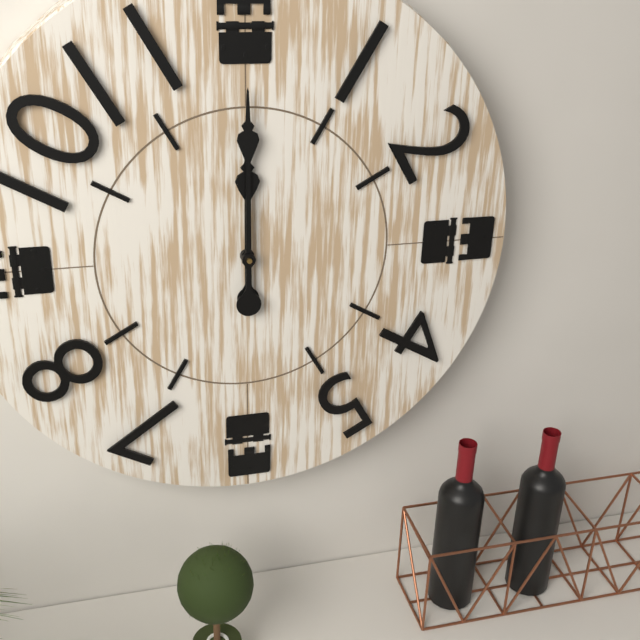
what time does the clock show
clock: 12:00
